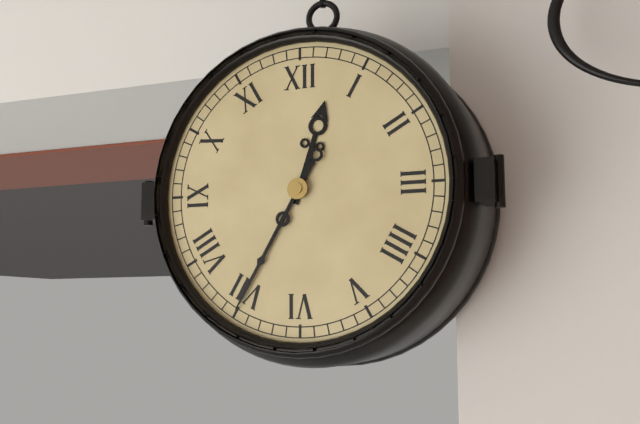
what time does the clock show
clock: 12:35
